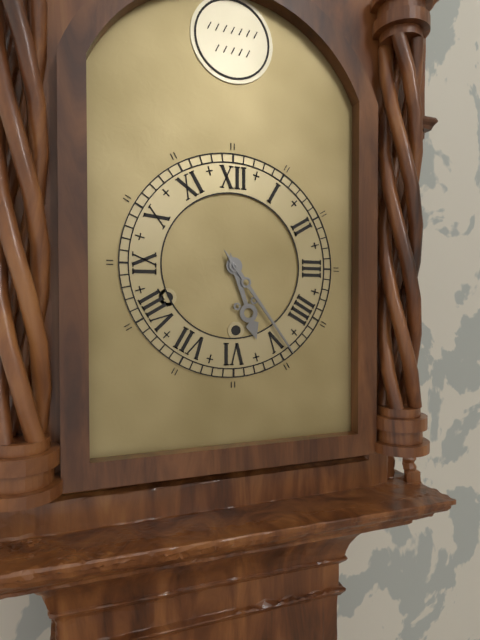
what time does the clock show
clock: 5:24
